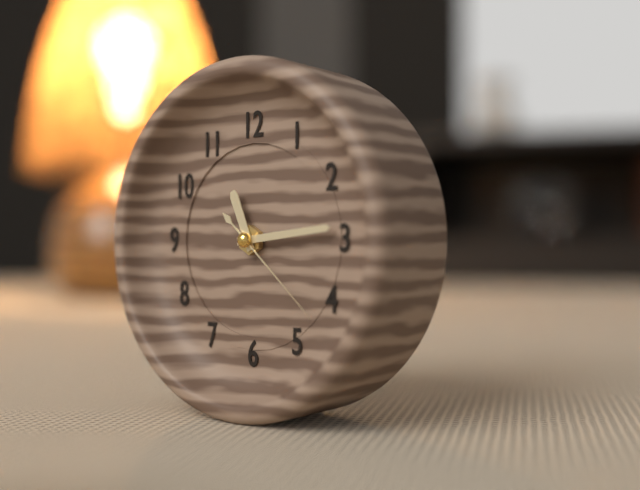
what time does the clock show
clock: 11:14:22
